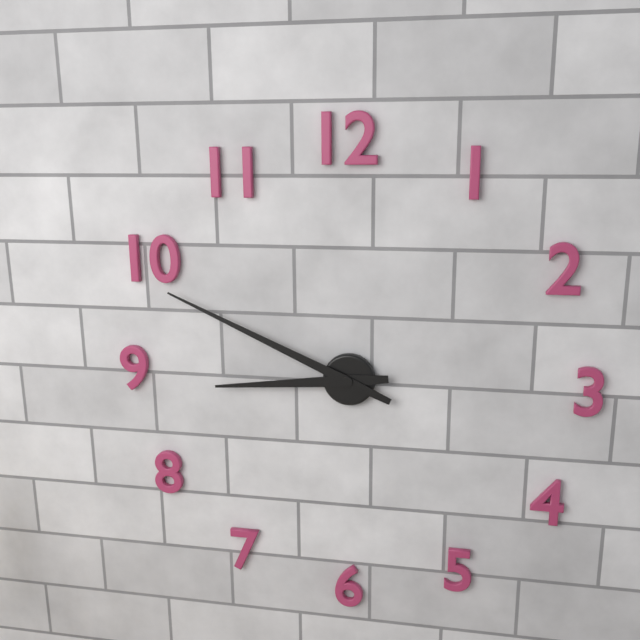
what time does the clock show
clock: 8:49
